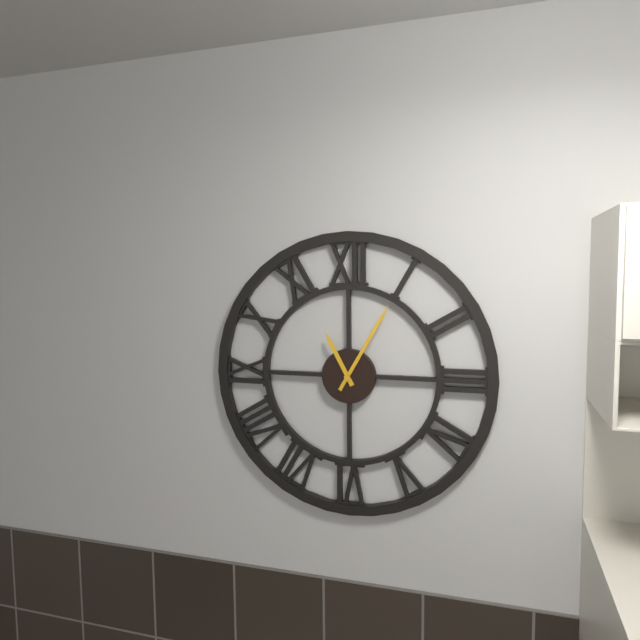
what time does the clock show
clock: 11:05
